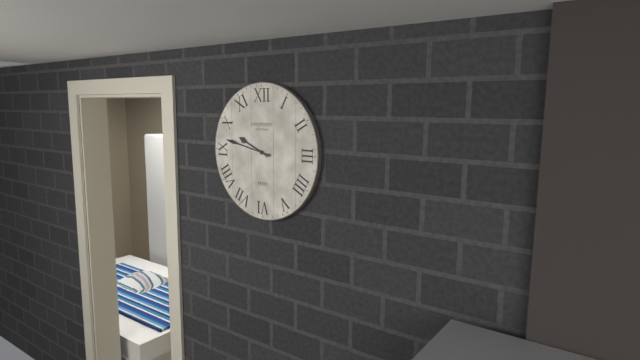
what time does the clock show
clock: 9:47
